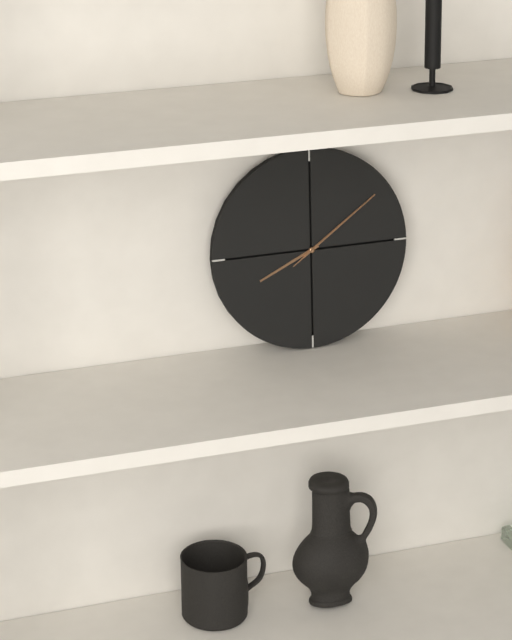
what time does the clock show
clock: 8:09:09
